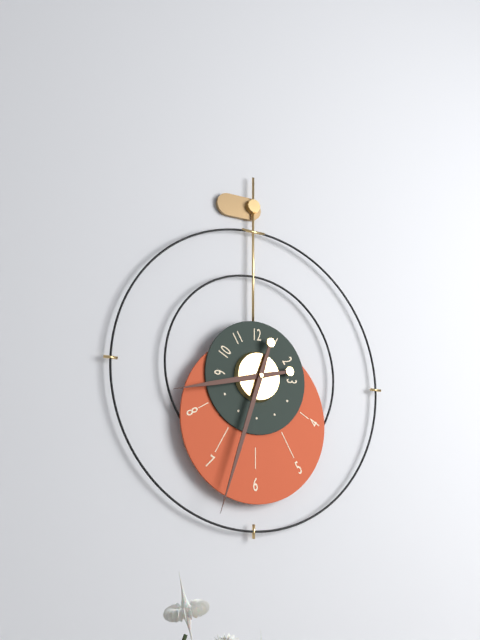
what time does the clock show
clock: 8:33
